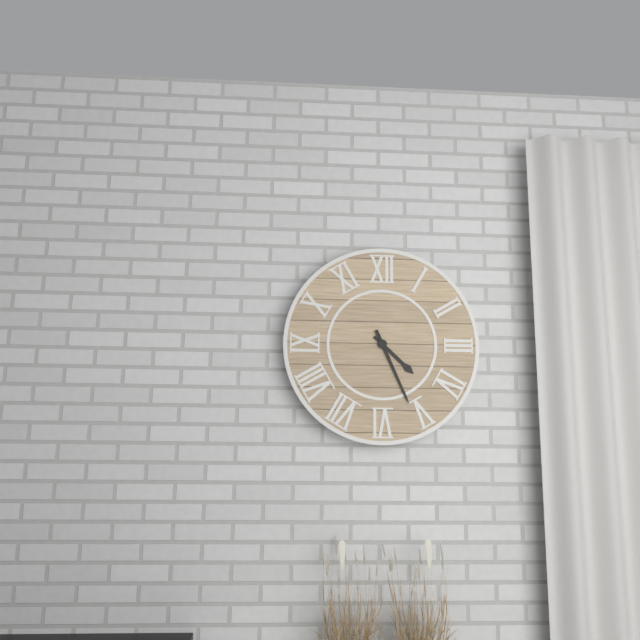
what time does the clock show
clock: 4:26
